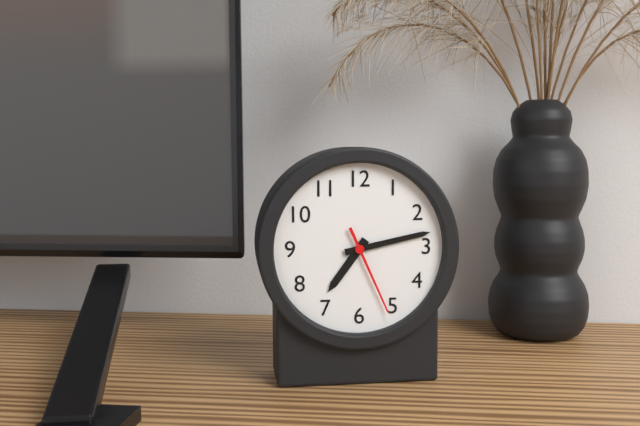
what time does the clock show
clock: 7:13:26
